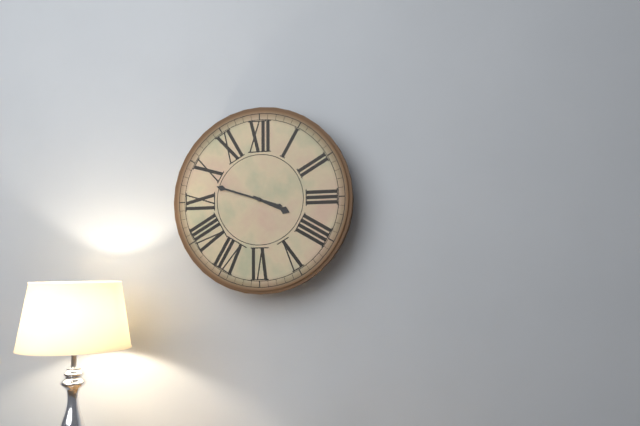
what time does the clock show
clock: 3:48
